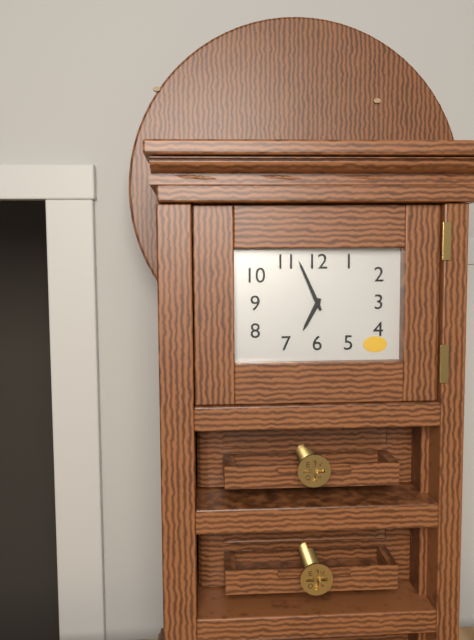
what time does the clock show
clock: 6:56
